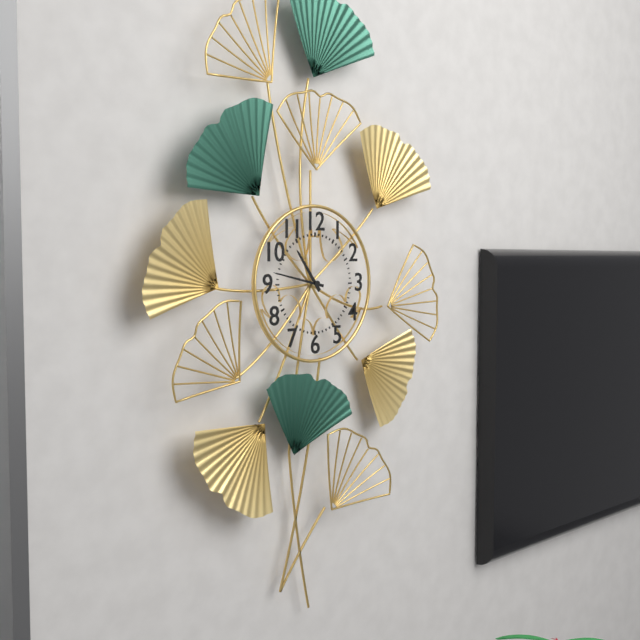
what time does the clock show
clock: 10:47
